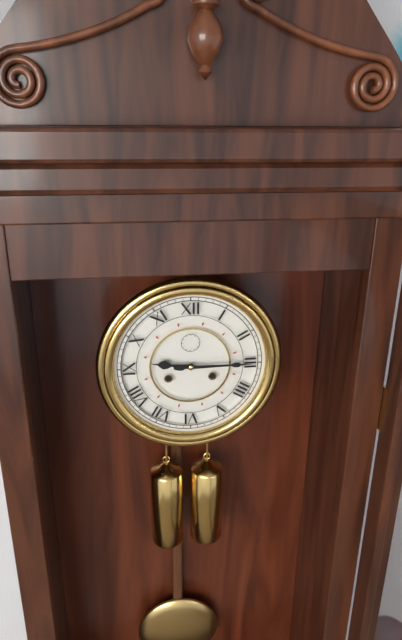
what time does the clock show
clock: 9:15
